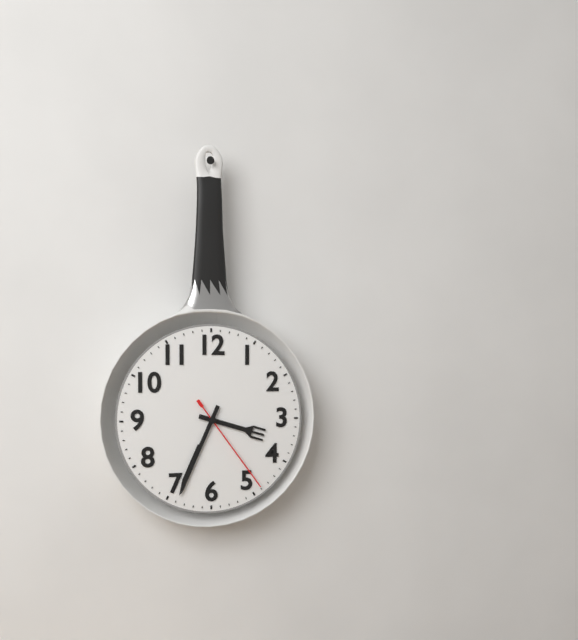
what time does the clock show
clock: 3:34:24
